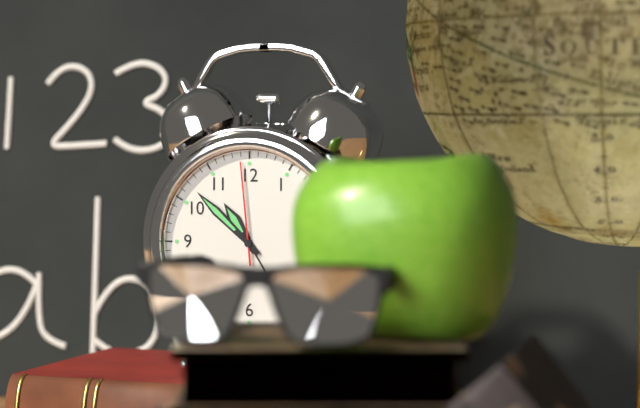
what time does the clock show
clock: 10:52:59
